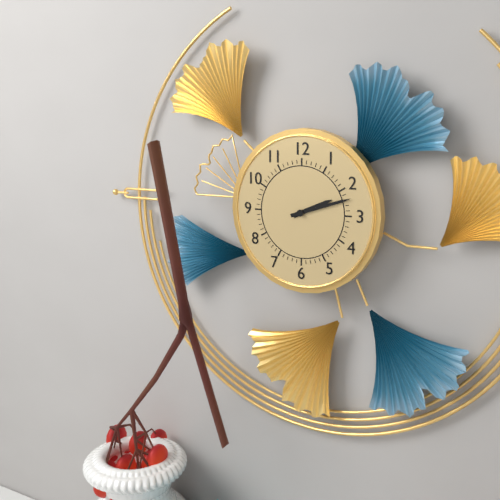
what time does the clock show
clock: 2:12
